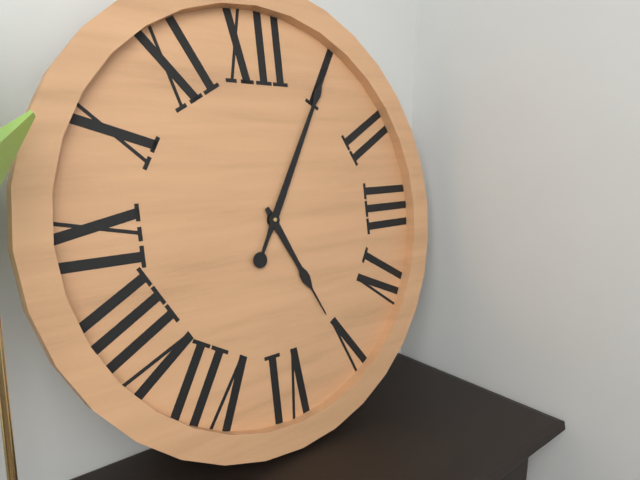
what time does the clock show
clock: 5:05
